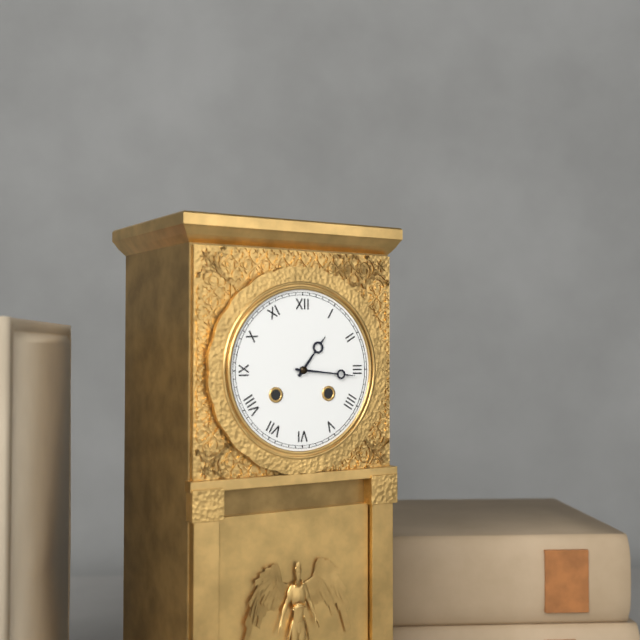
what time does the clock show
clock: 1:16
